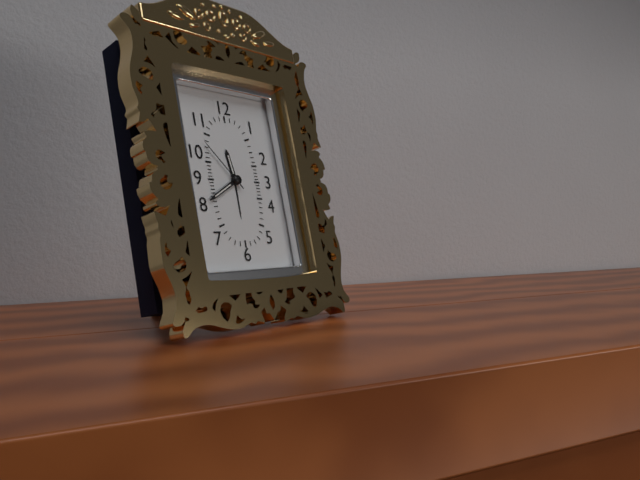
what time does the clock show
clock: 11:40:53
